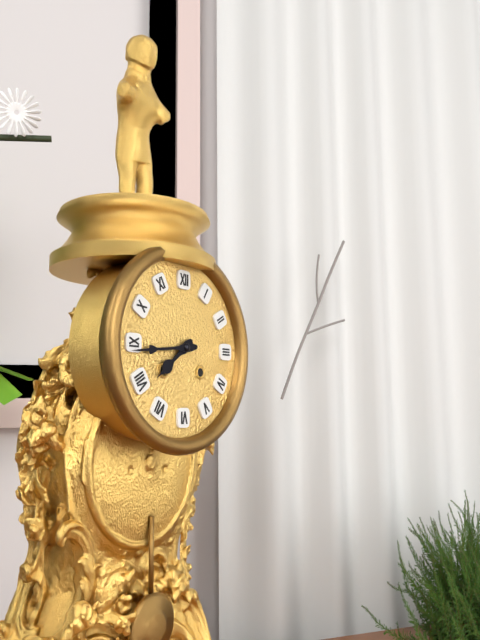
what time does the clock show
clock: 7:44
